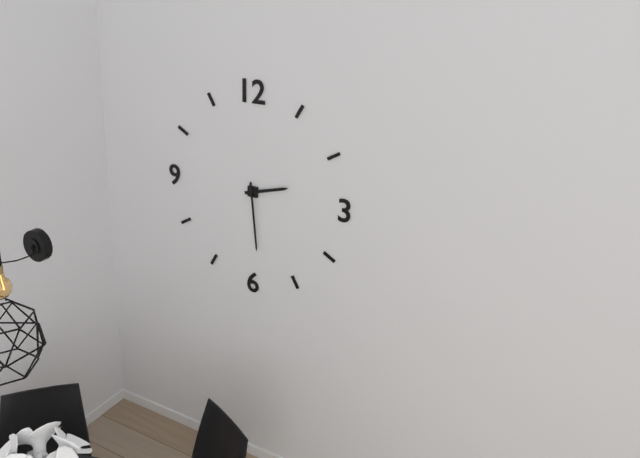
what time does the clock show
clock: 2:29
